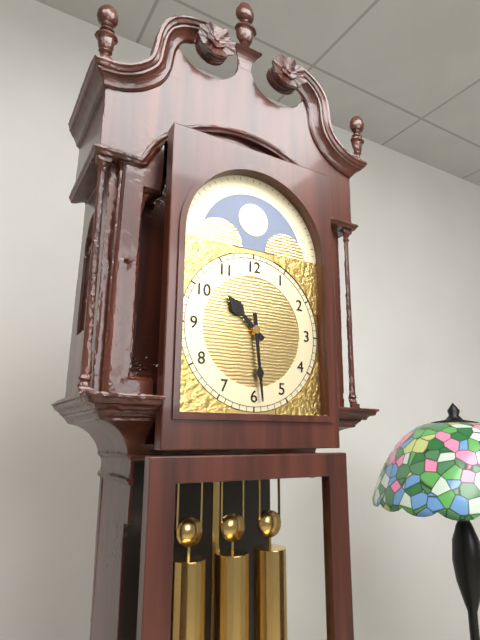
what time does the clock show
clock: 10:29
